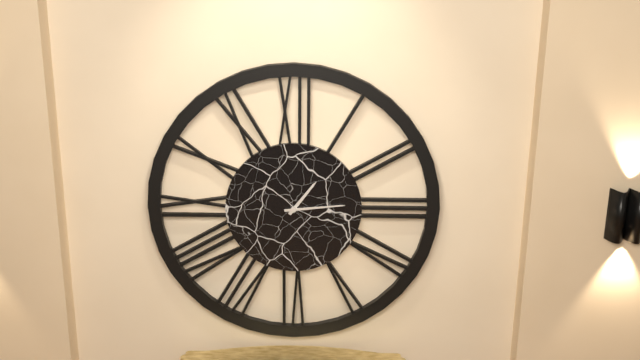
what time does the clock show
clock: 1:14
